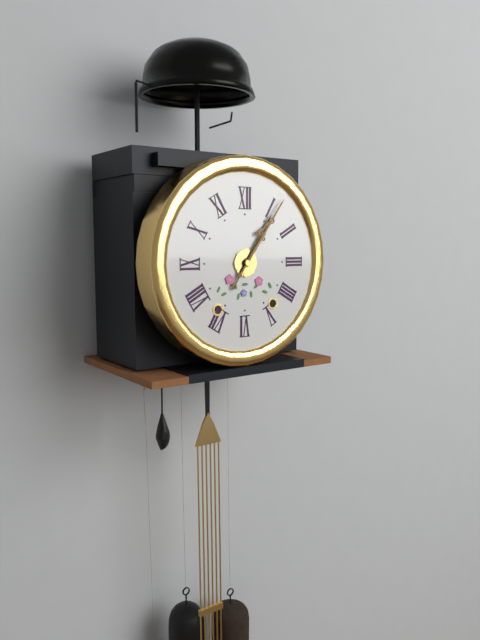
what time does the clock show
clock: 1:06
